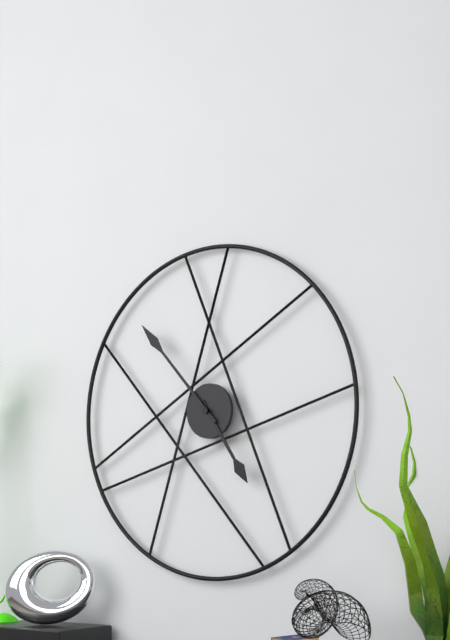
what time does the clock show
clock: 4:53
